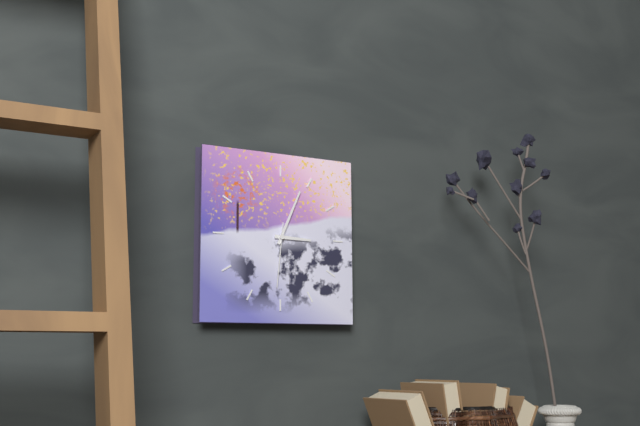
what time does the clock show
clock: 3:04:31
